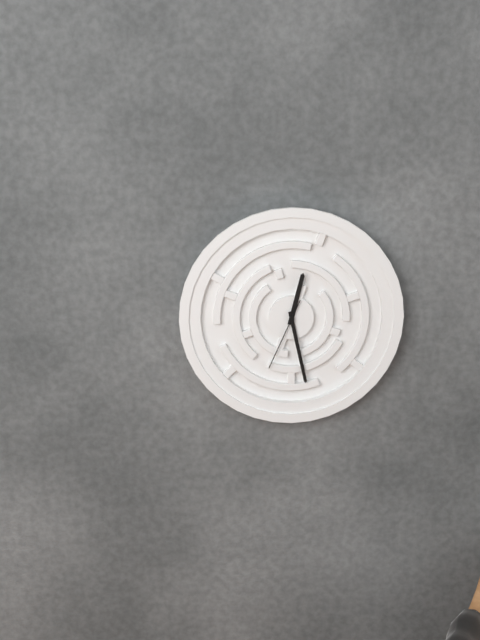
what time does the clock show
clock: 12:28:34
